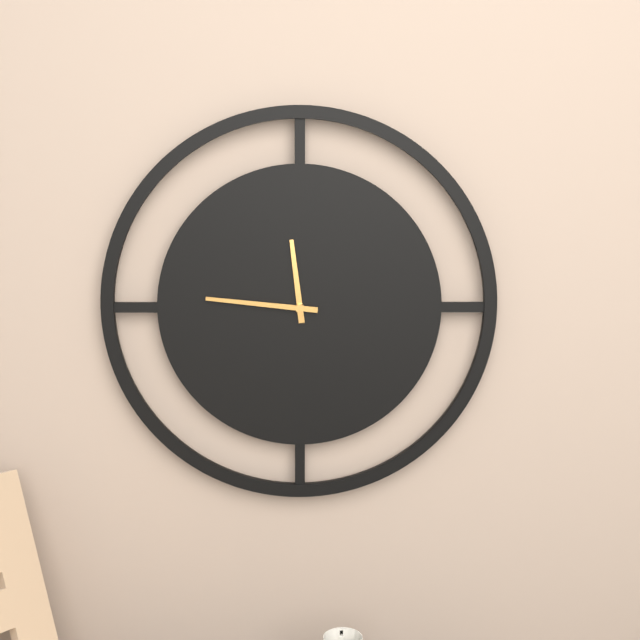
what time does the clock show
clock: 11:46
